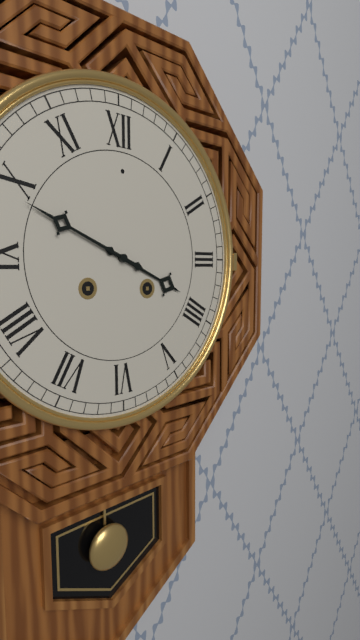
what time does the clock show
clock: 3:49
